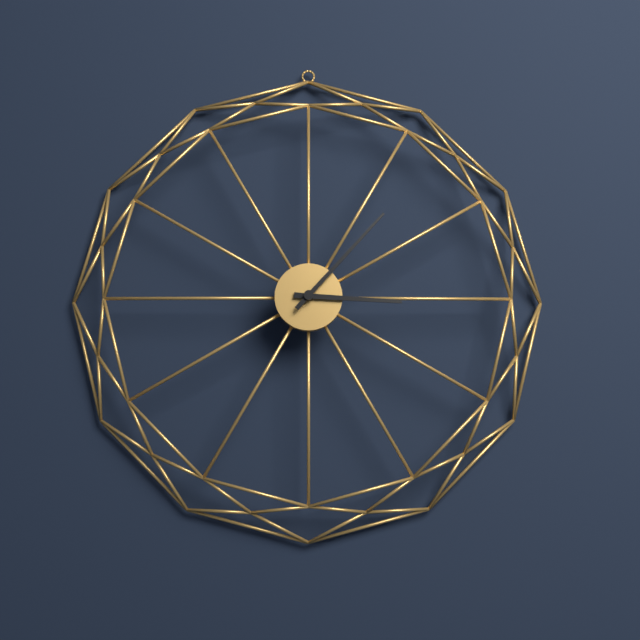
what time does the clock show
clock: 3:07
